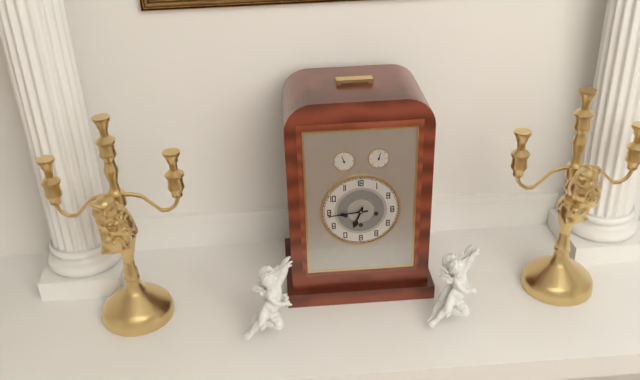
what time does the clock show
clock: 6:44
